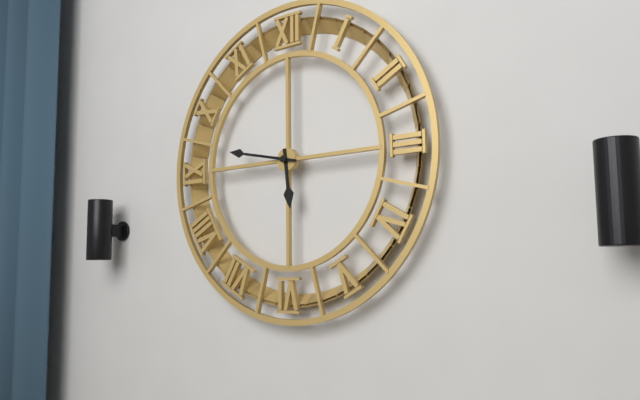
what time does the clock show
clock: 5:47
